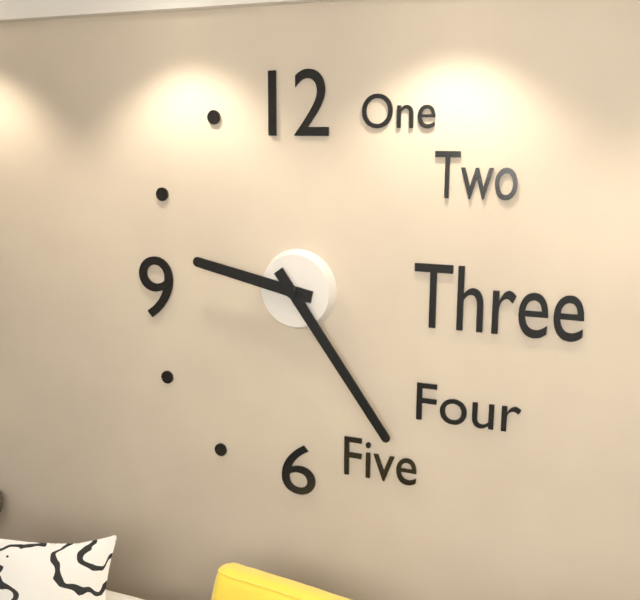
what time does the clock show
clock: 9:24
